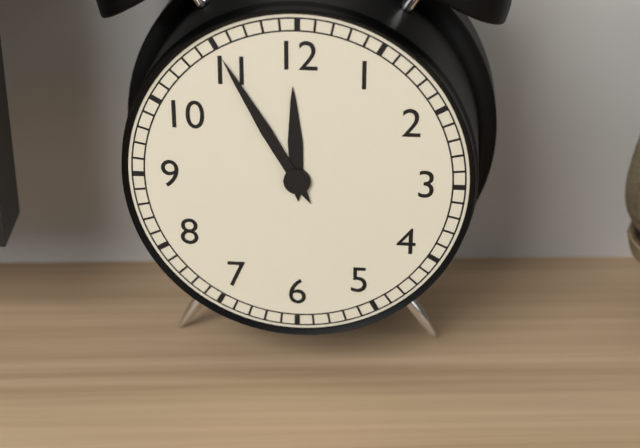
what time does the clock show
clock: 11:55
